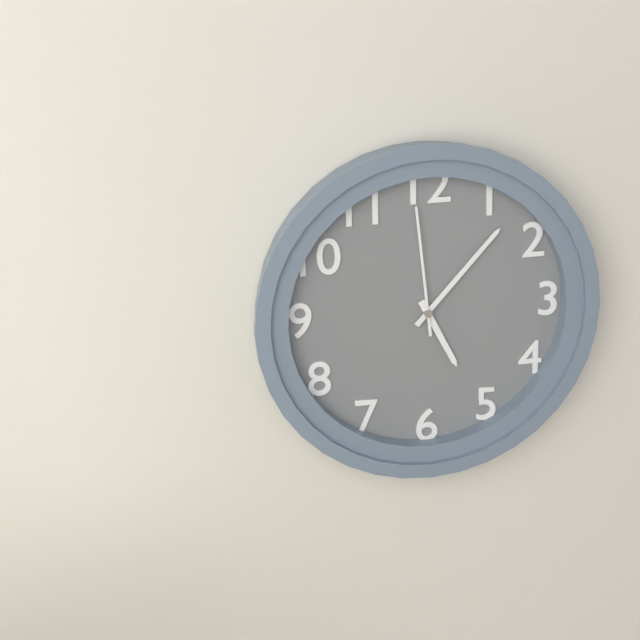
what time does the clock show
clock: 5:07:59
